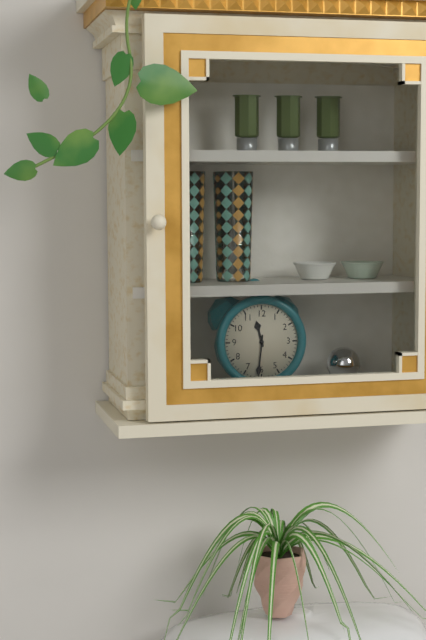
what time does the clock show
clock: 11:31
